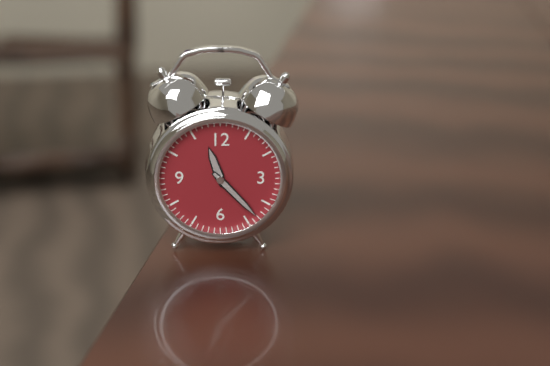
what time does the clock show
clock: 11:23
